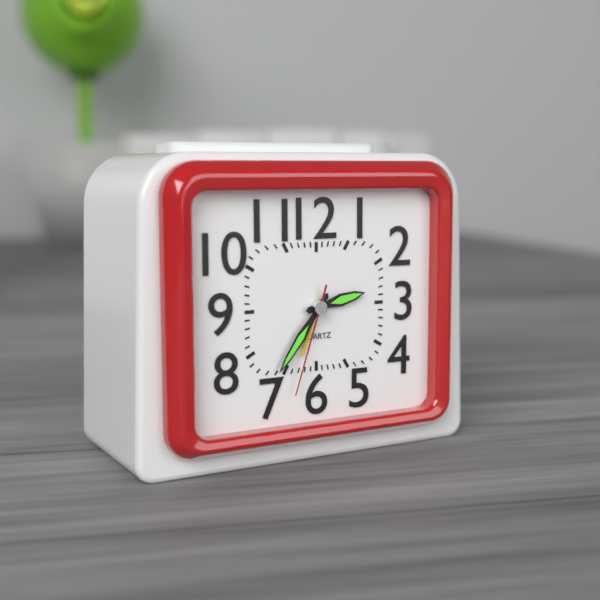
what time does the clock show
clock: 2:36:33
